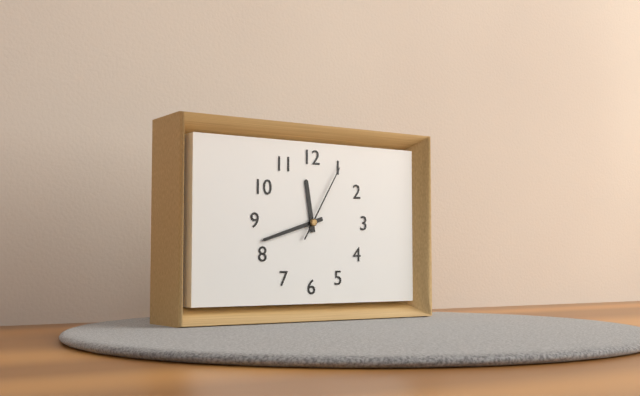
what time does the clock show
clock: 11:42:05
